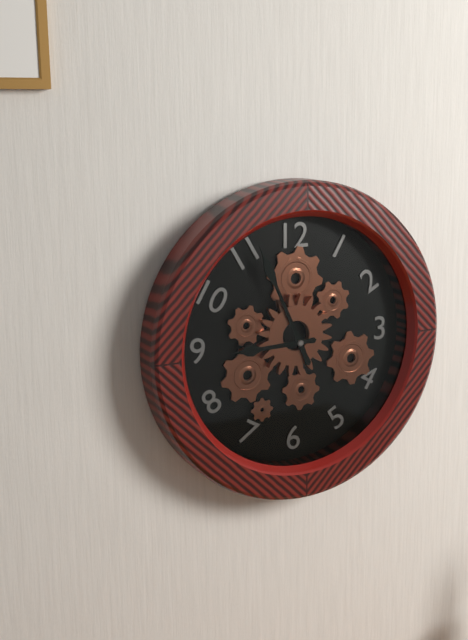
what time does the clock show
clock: 8:56
